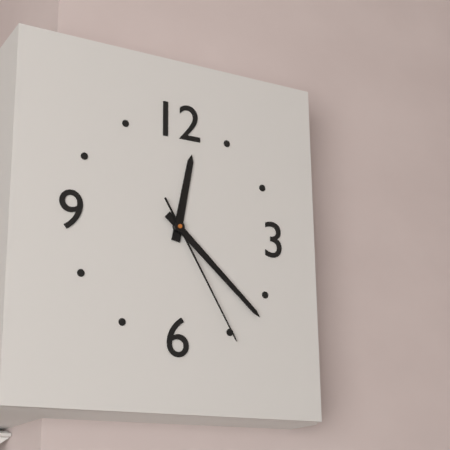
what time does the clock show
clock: 12:22:25
